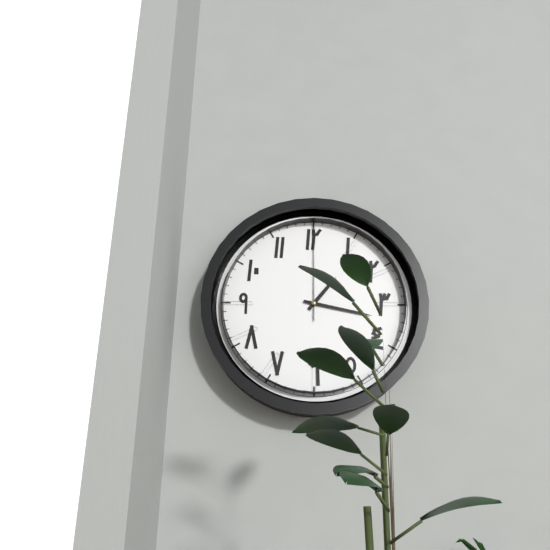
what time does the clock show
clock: 1:17:00
